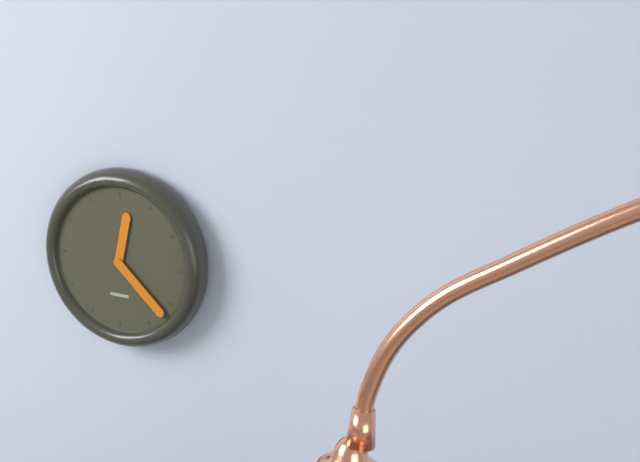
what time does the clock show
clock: 12:22
